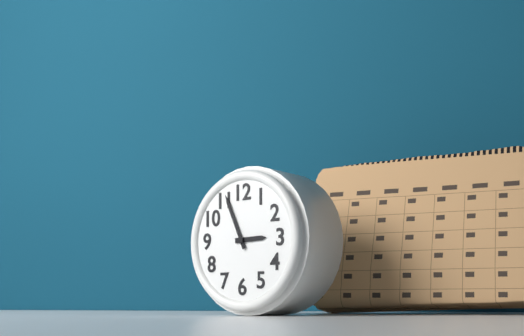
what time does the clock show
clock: 2:56
